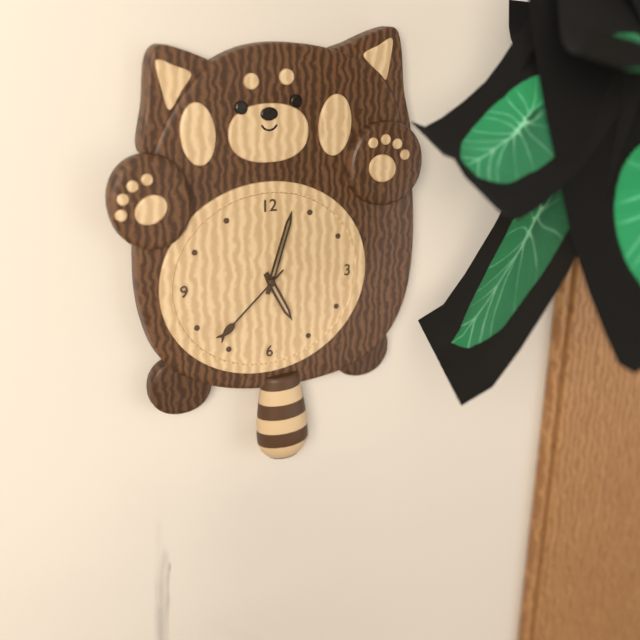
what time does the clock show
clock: 5:03:38
